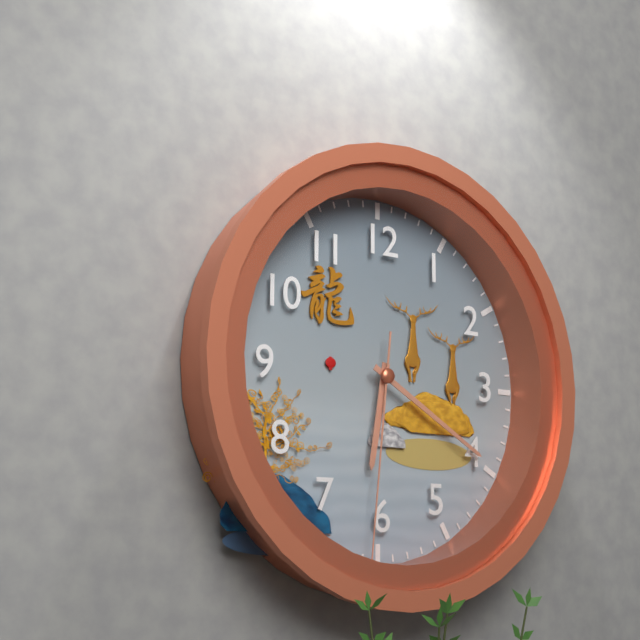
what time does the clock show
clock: 6:20:31
